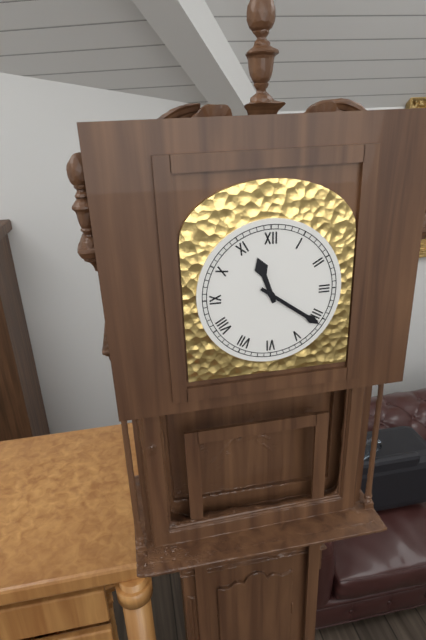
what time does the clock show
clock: 11:21
